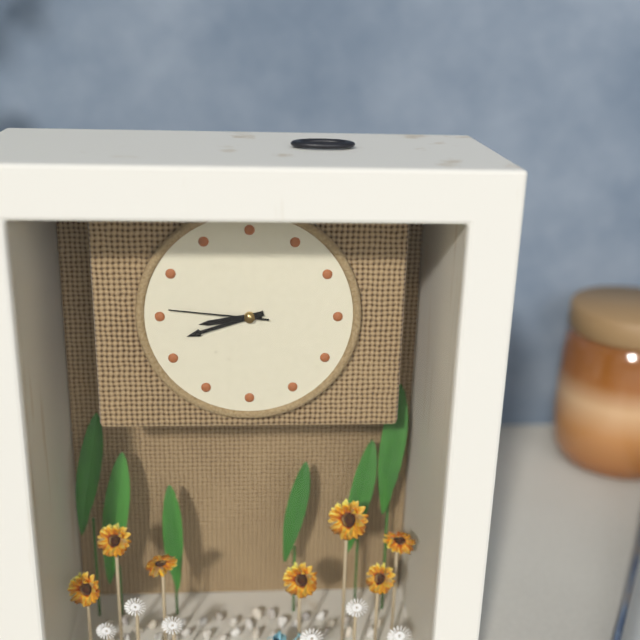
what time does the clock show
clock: 8:42:46
